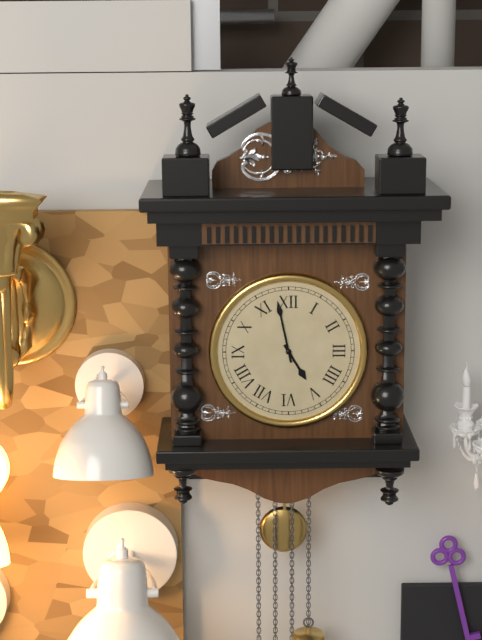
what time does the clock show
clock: 4:58
